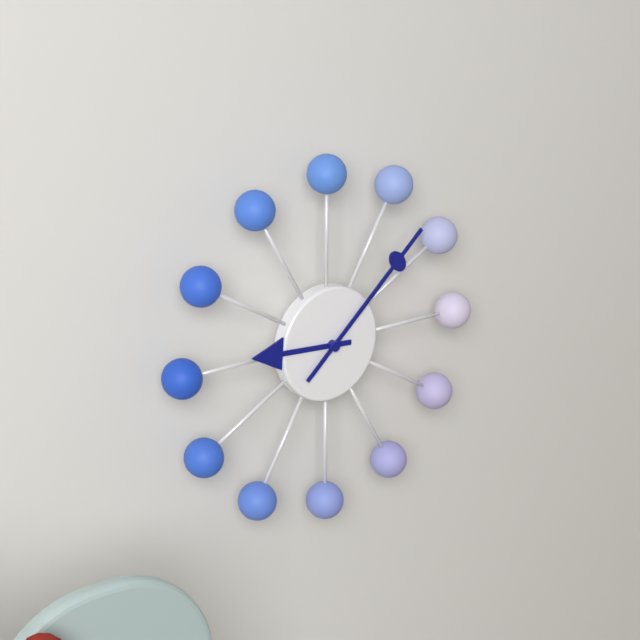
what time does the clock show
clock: 9:08
